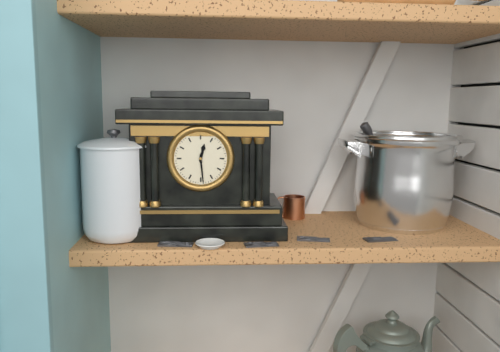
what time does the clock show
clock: 12:29
